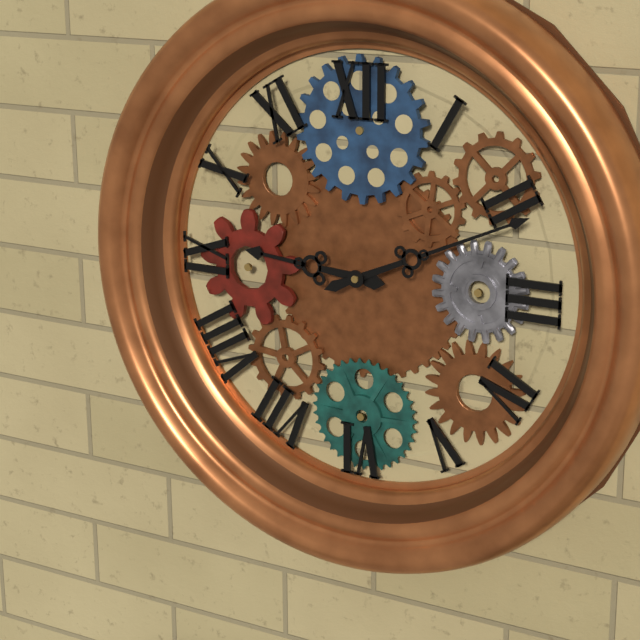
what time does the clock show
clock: 9:11
